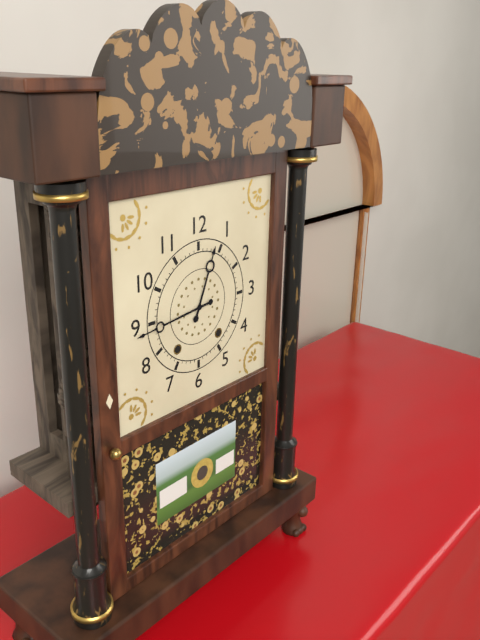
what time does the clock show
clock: 12:44
